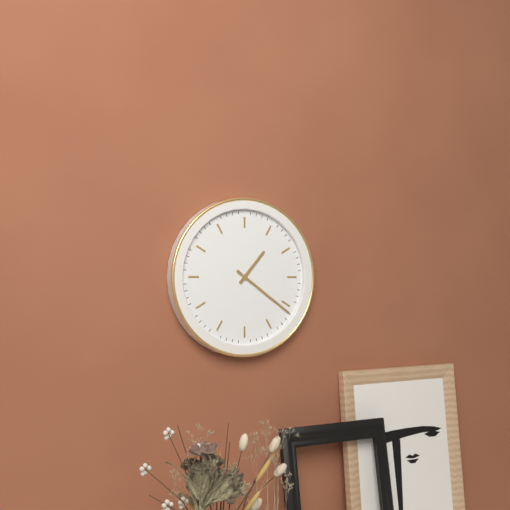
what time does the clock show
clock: 1:21
